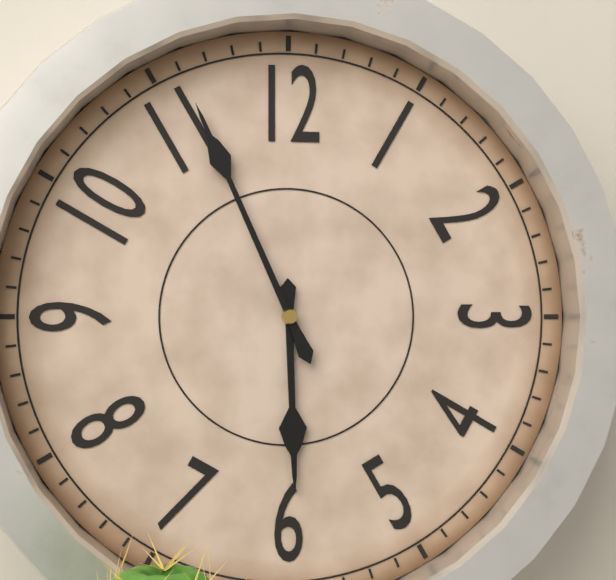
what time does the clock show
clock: 5:56
